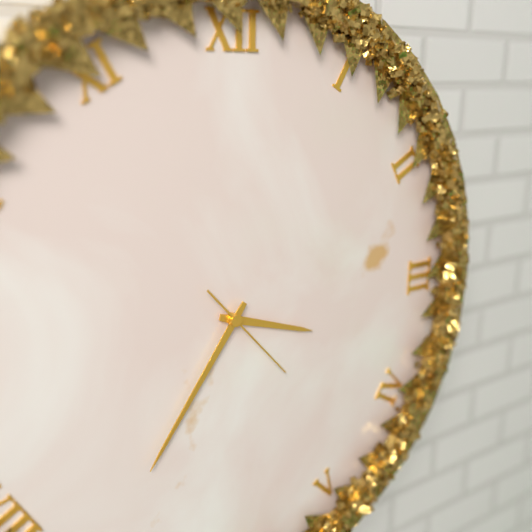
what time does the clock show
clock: 3:36:23
